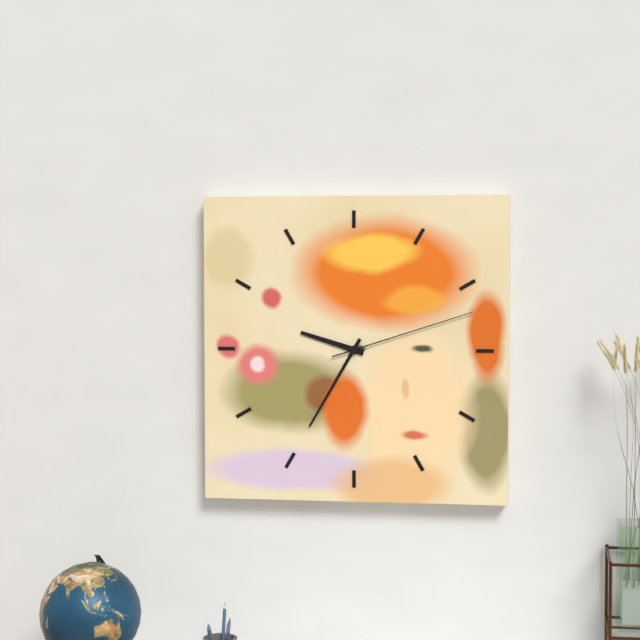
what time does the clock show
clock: 9:35:12
